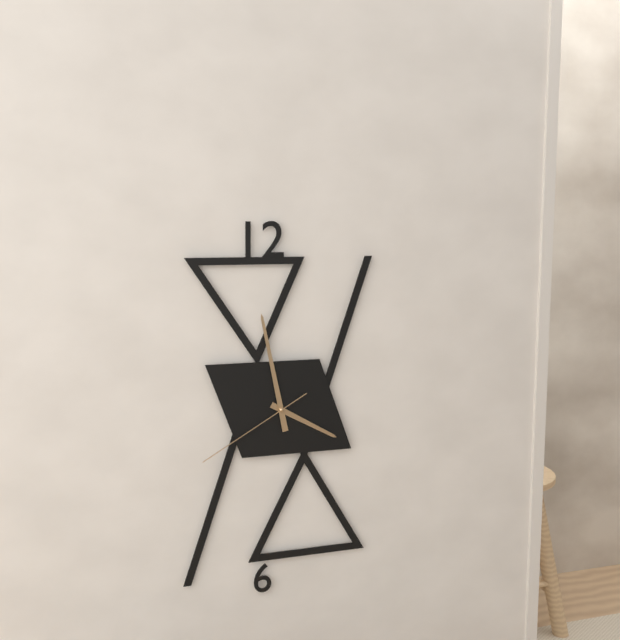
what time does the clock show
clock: 3:58:40
